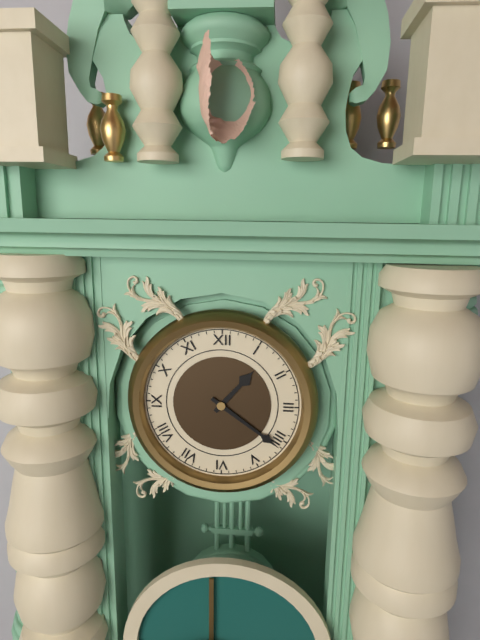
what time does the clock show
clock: 1:21
